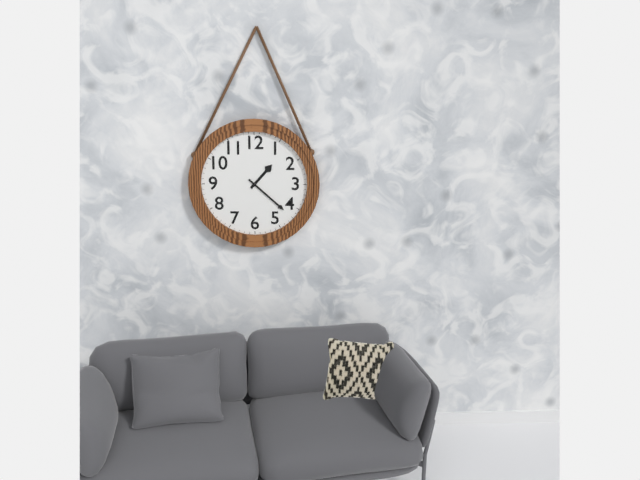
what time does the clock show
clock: 1:22
